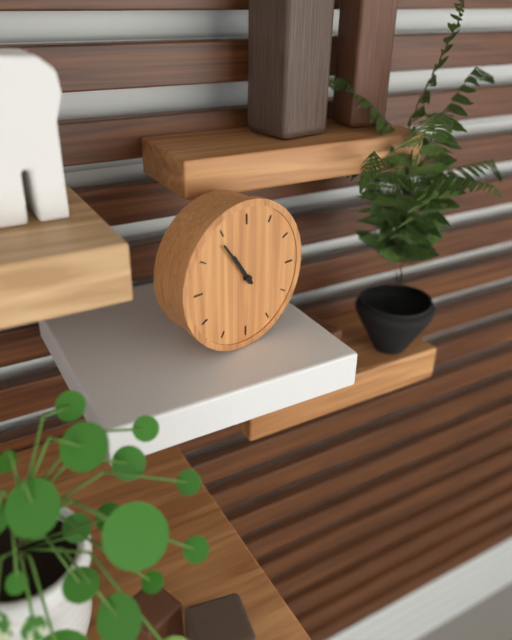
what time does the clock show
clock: 10:54
